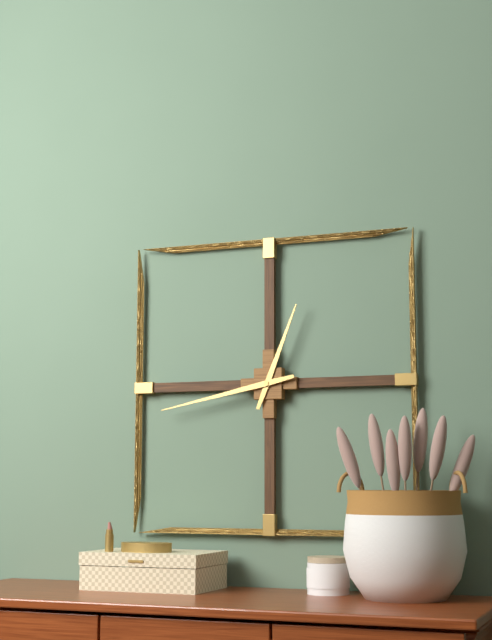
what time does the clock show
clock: 12:43
